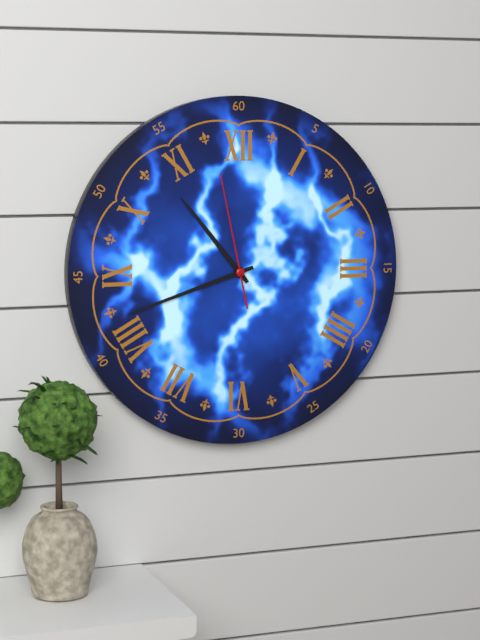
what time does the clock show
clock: 10:42:58
